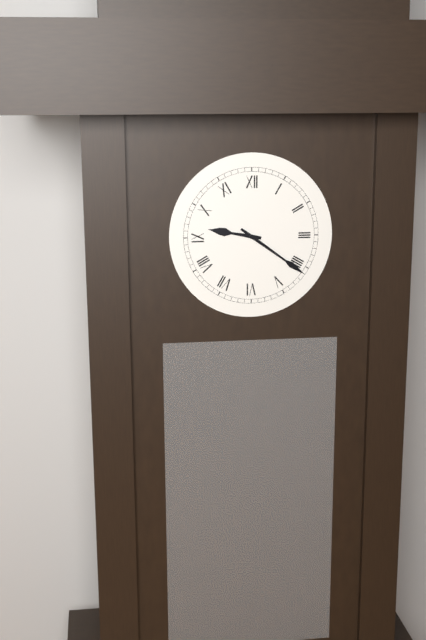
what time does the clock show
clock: 9:21
